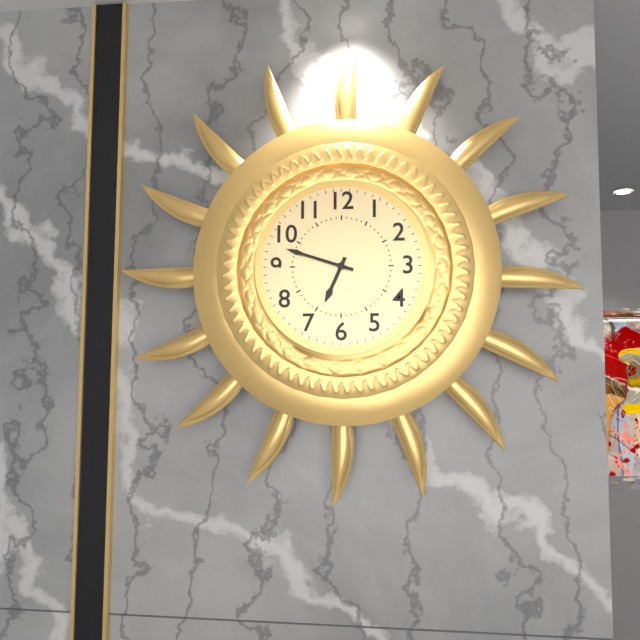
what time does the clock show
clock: 6:48
